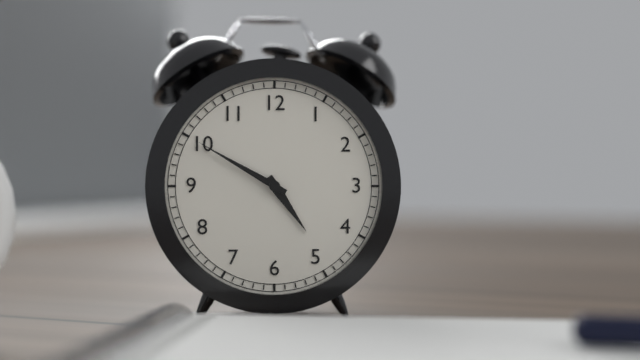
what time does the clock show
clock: 4:50
